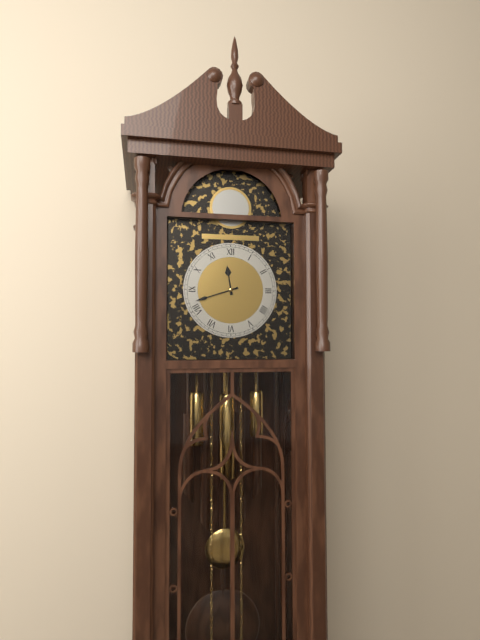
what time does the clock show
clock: 11:42
